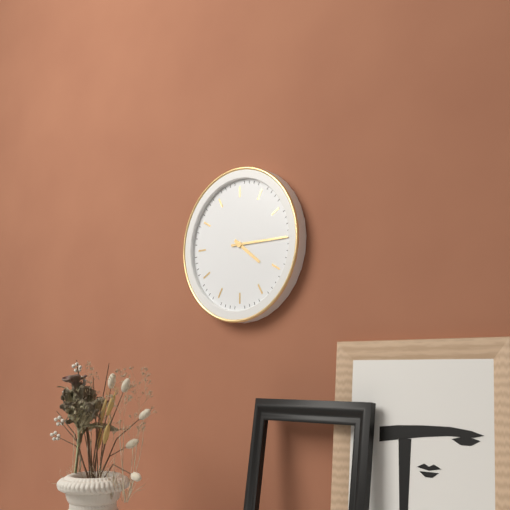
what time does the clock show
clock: 4:15
